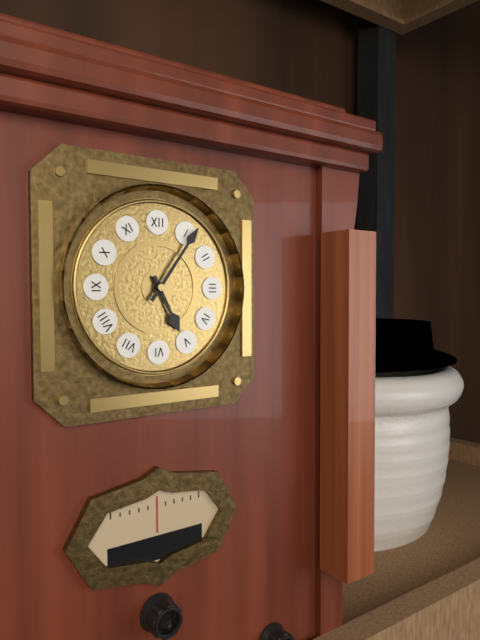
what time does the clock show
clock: 5:06
